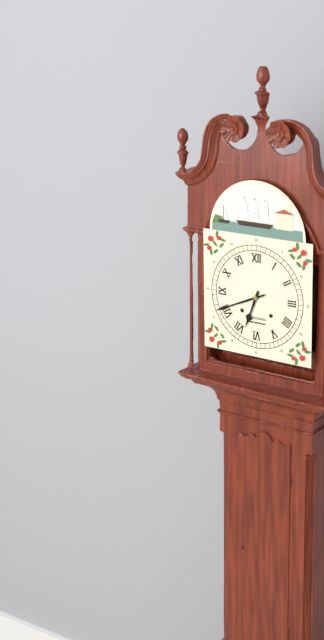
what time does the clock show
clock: 6:41
